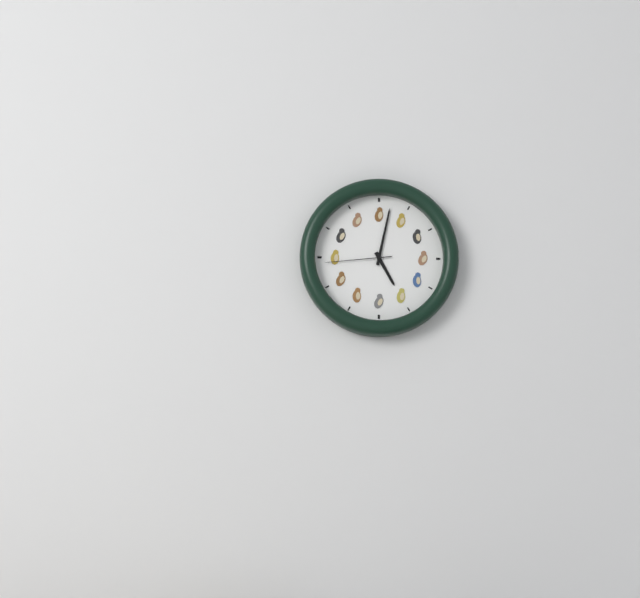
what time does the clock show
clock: 5:02:44
